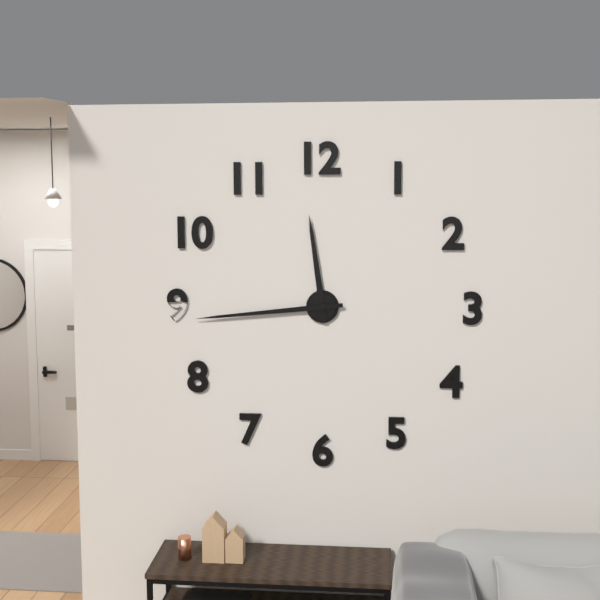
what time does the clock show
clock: 11:44
